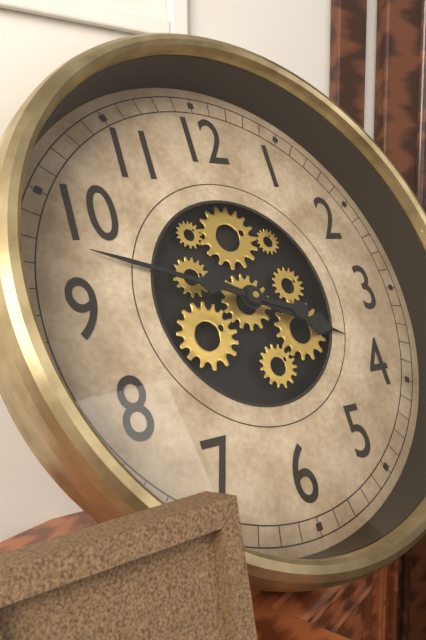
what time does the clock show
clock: 3:48
